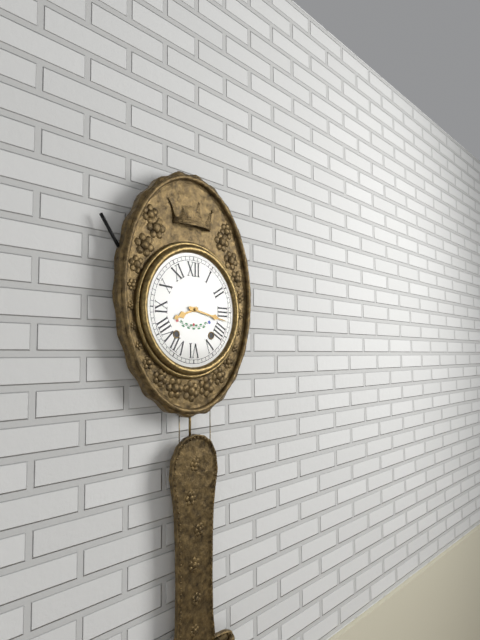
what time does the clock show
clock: 8:17
